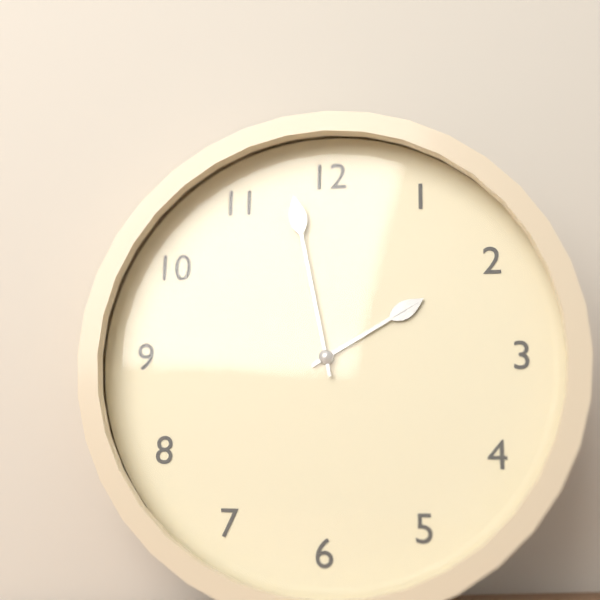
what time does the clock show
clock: 1:58
